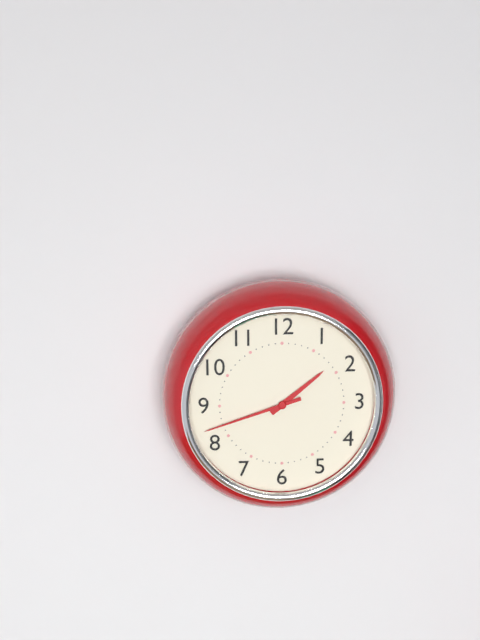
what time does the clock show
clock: 1:42
